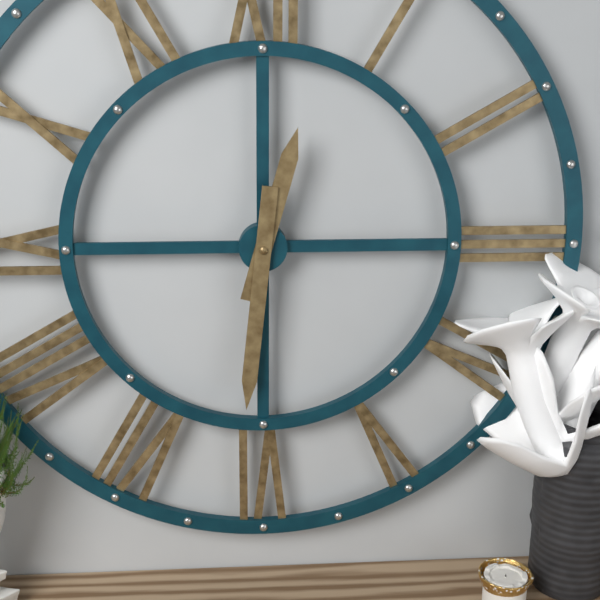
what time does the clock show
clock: 12:31
